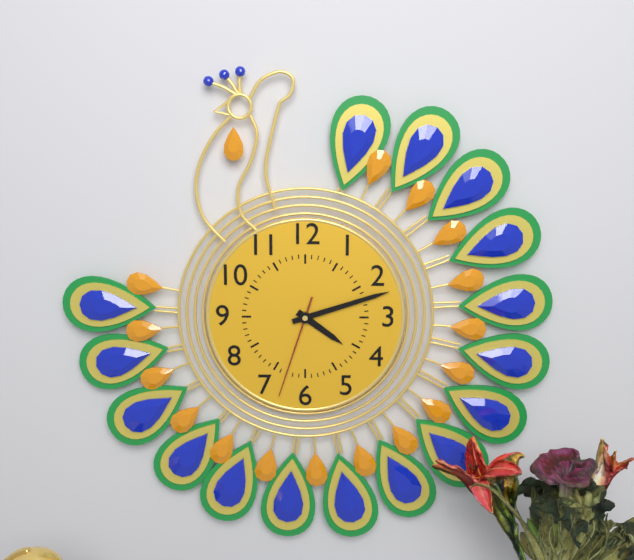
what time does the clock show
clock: 4:12:33
